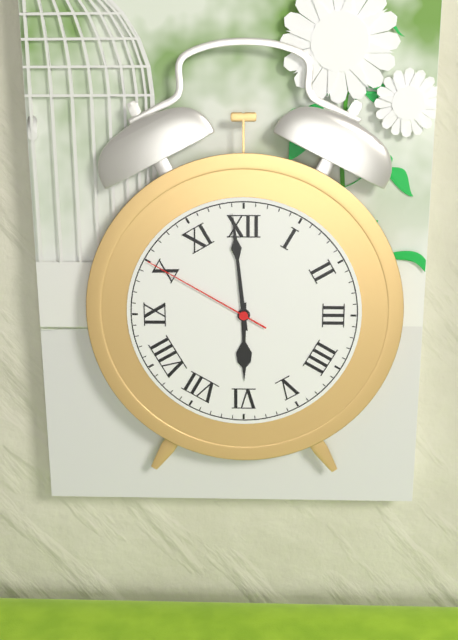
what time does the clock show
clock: 5:59:50
